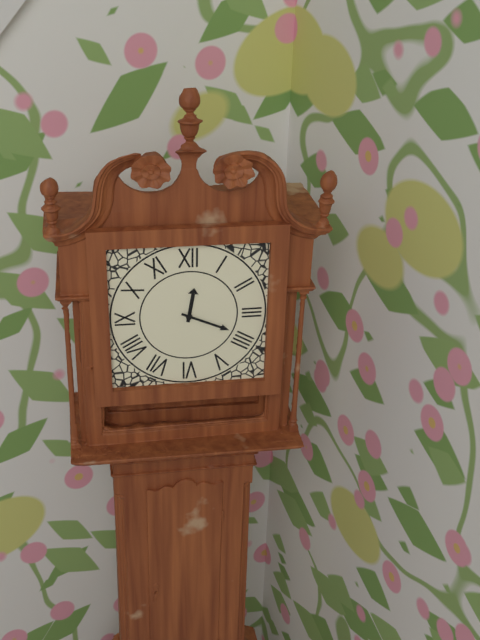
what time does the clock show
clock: 12:19
